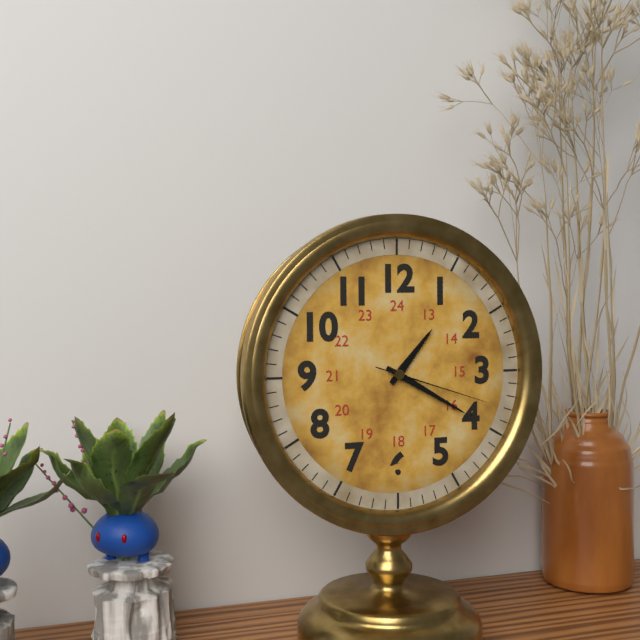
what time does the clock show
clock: 1:20:18
